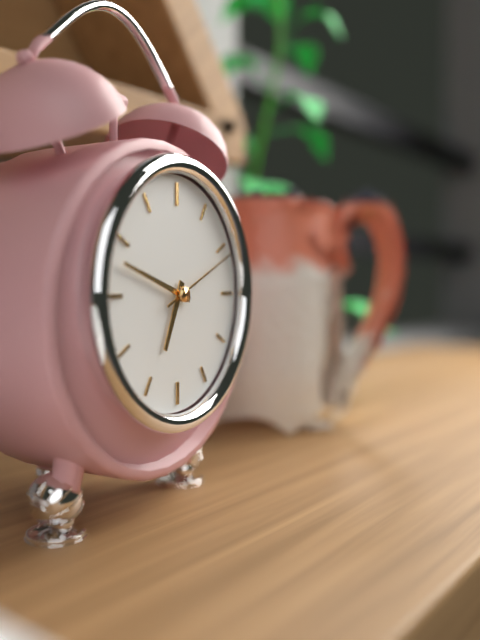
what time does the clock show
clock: 6:48:11
